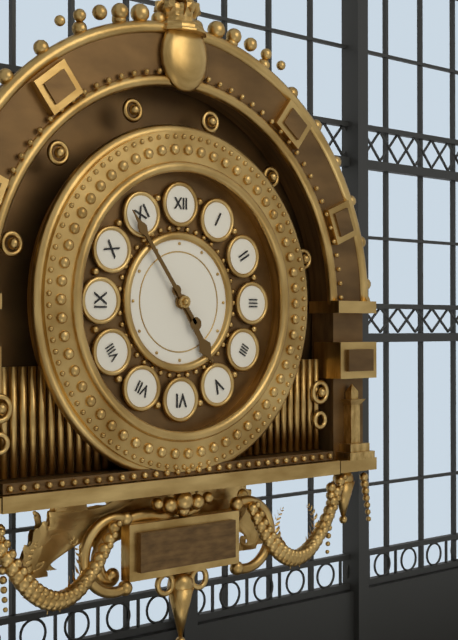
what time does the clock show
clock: 4:54
